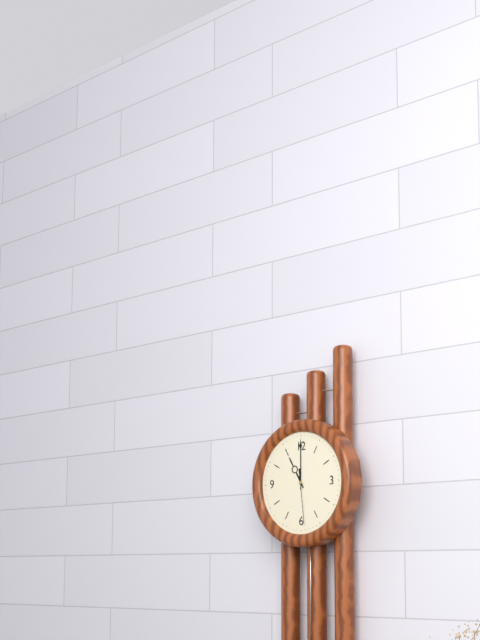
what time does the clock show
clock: 11:00:29
